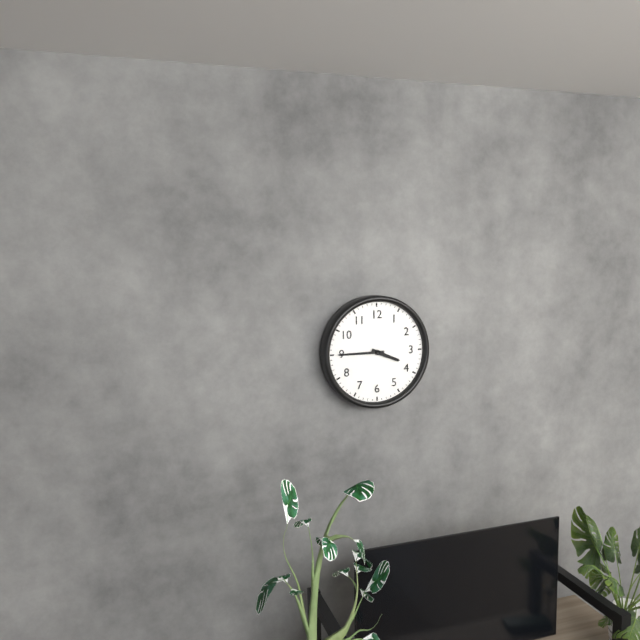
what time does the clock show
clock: 3:45
